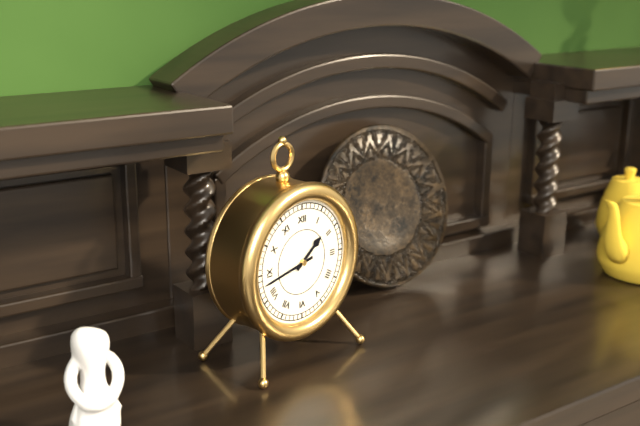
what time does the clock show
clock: 1:43
